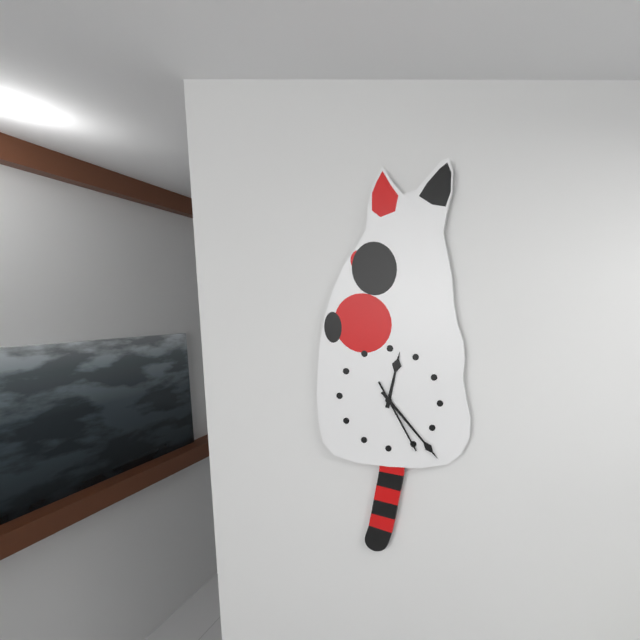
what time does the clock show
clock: 12:23:25
